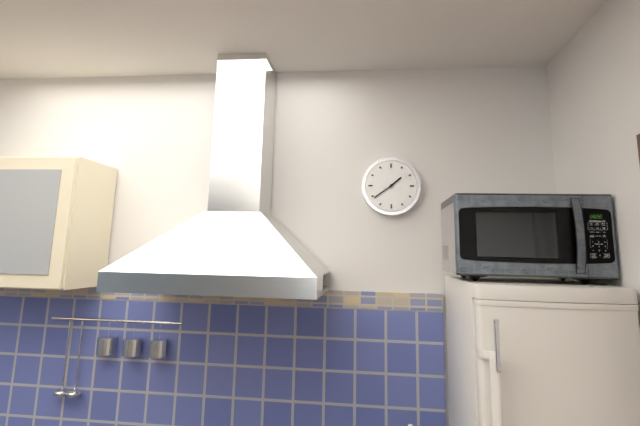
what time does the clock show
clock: 1:39
